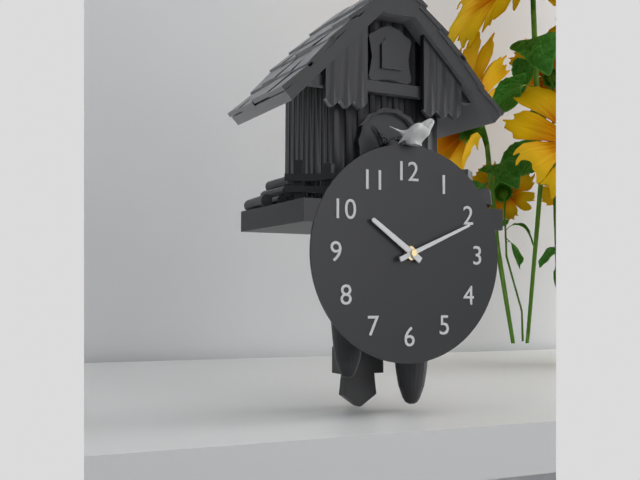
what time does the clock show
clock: 10:11
